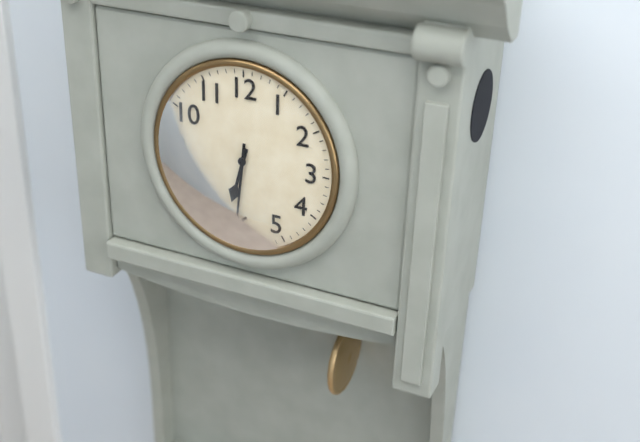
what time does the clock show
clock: 6:31
